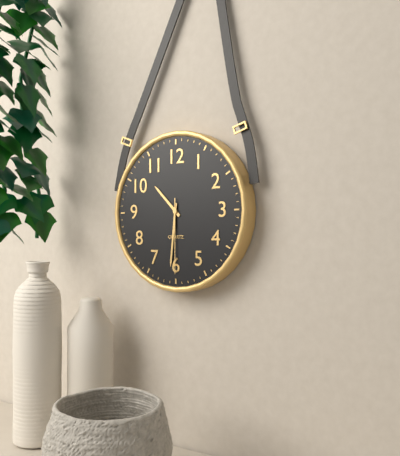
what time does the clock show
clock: 10:31:30
